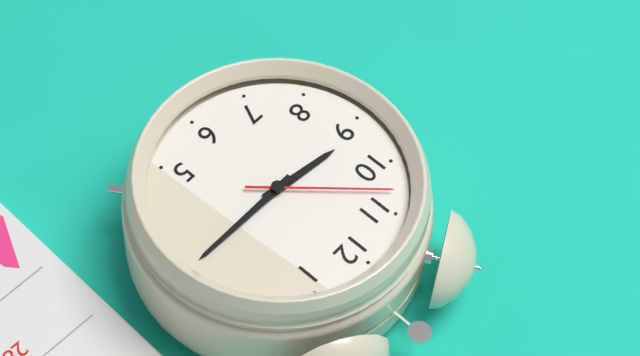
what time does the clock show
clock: 9:15:53
